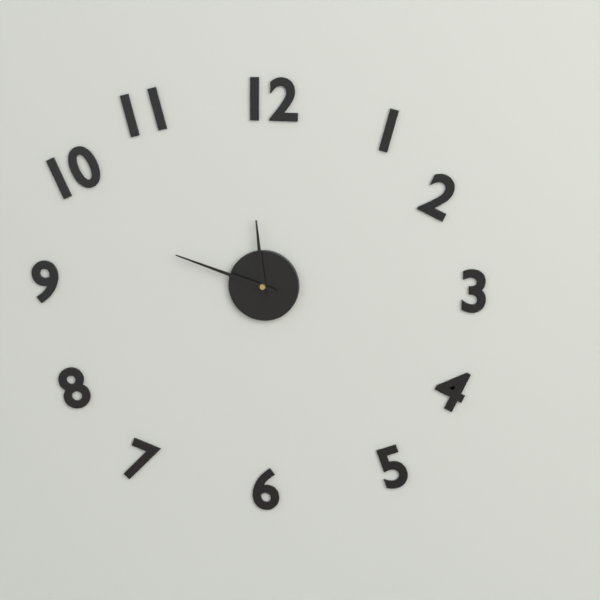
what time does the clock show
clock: 11:48
